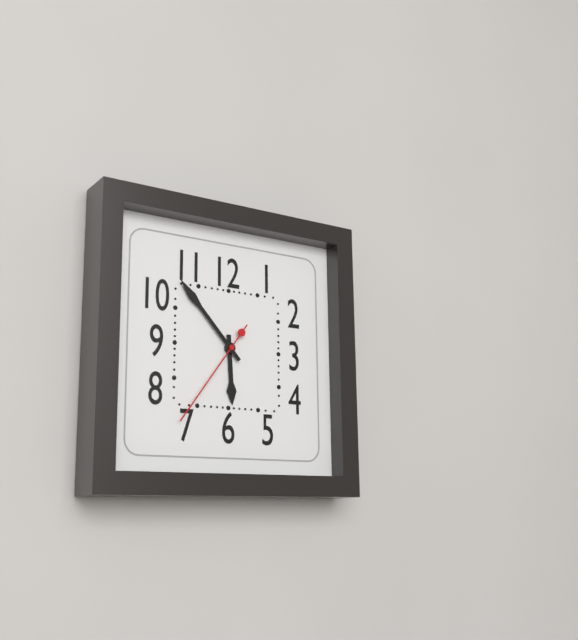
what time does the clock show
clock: 5:53:36
